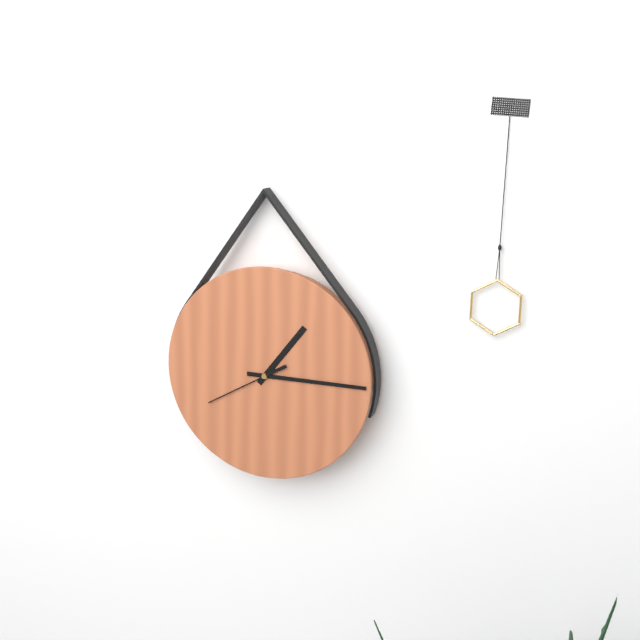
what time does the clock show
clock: 1:15:40
